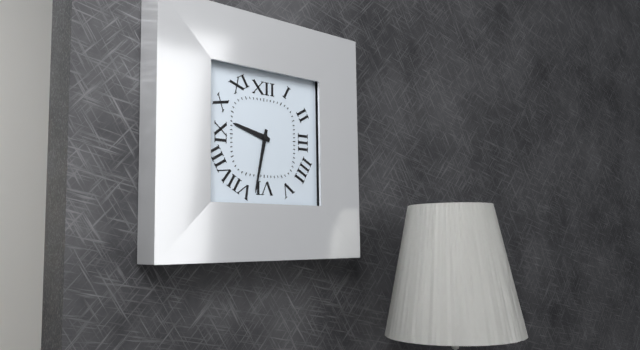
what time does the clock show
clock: 9:32
